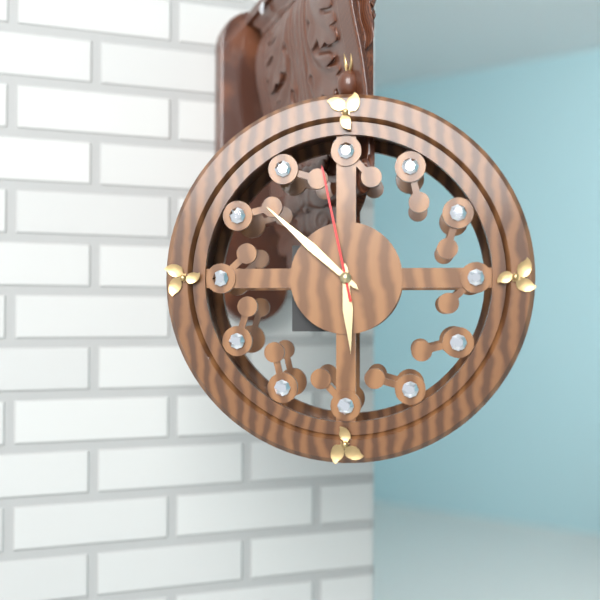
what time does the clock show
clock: 5:52:58
